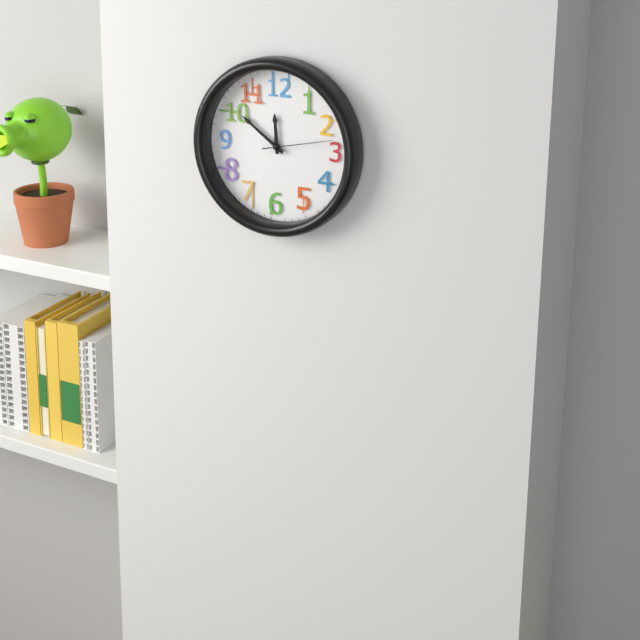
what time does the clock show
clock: 11:51:13
